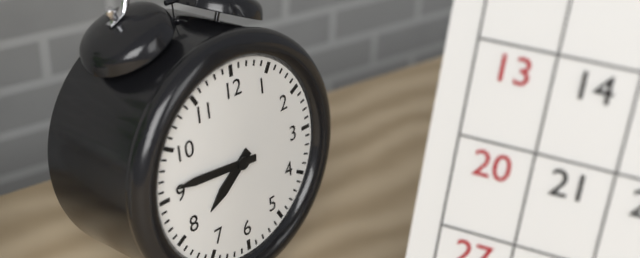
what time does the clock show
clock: 7:46
